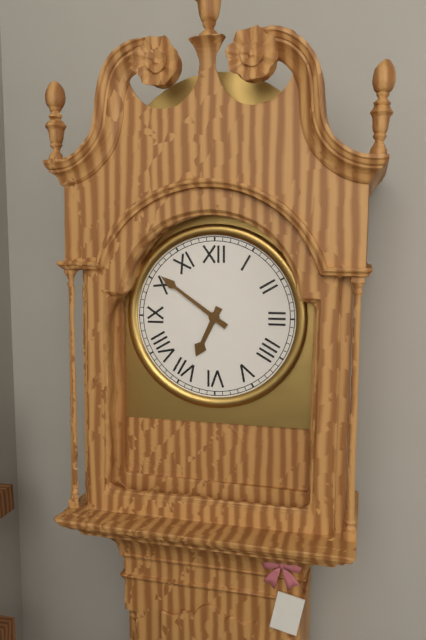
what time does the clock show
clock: 6:51
